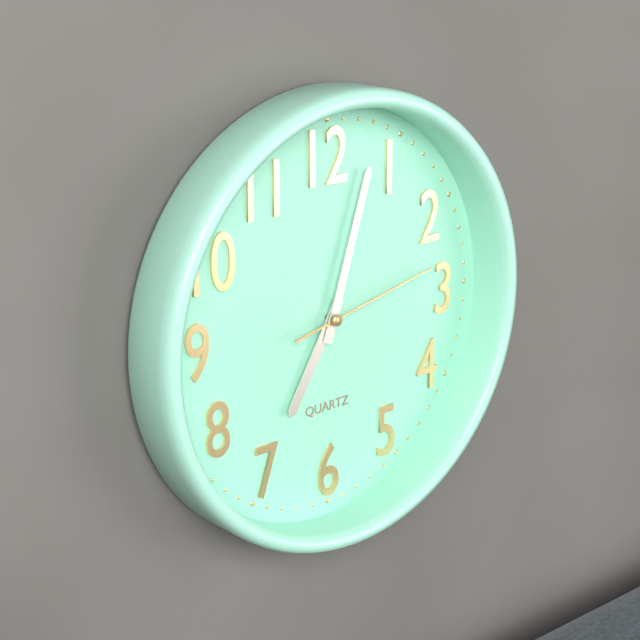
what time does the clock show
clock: 7:03:13
